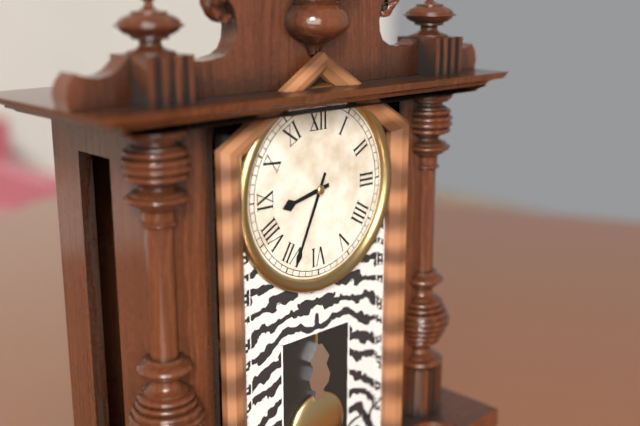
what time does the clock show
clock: 8:34
